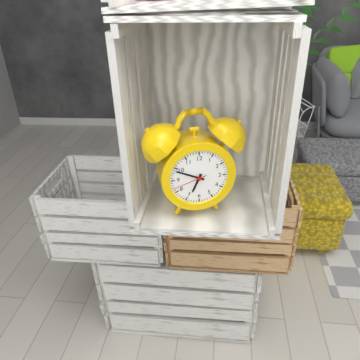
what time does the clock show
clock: 6:49
